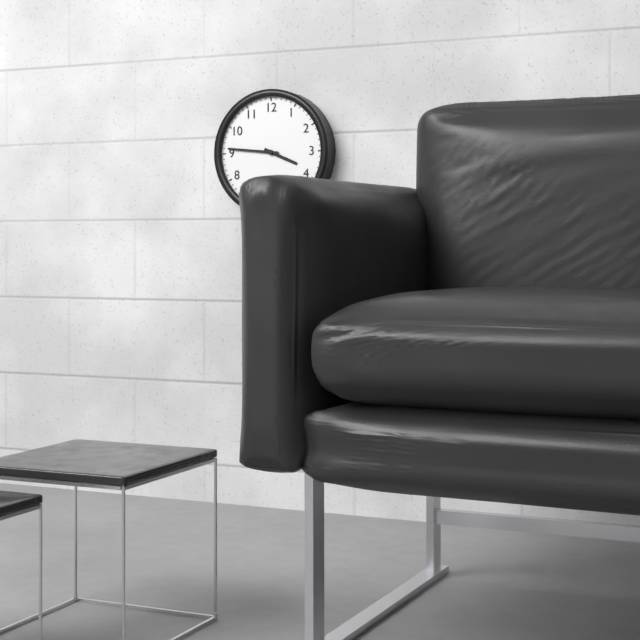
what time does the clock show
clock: 3:46
